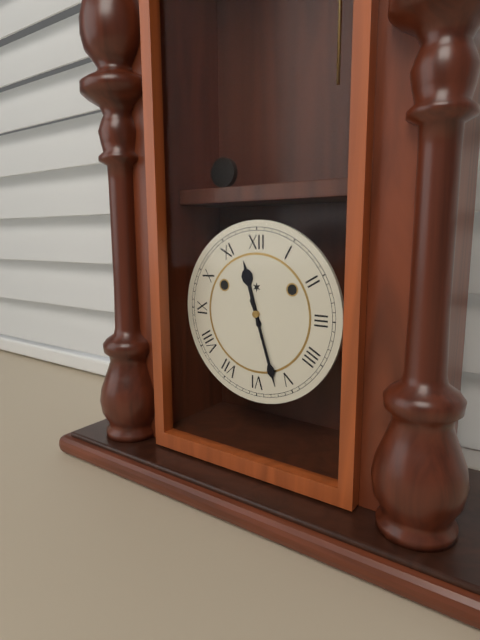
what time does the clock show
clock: 11:27
